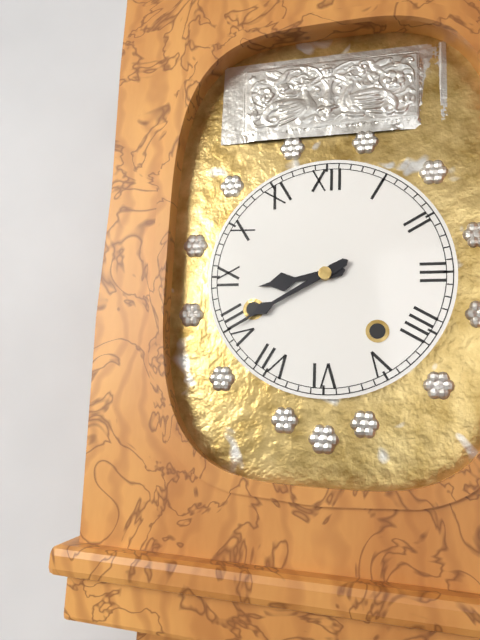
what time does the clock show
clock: 8:40
